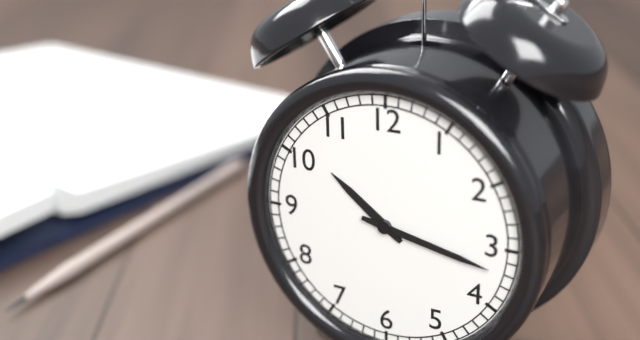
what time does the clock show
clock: 10:17
